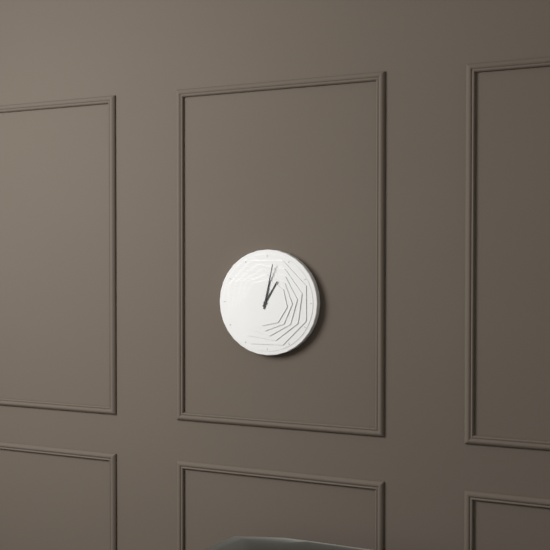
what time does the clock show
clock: 1:02
